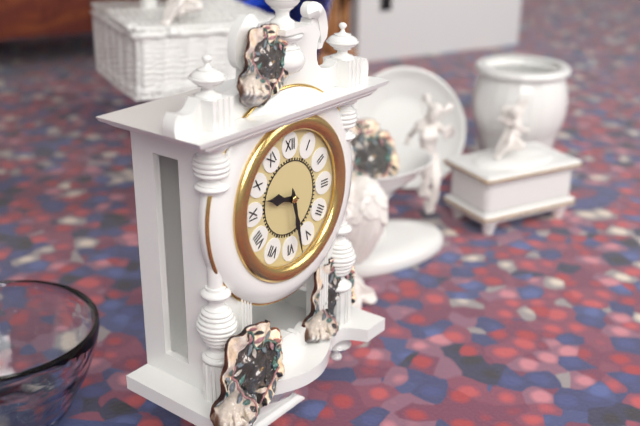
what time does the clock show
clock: 9:28
